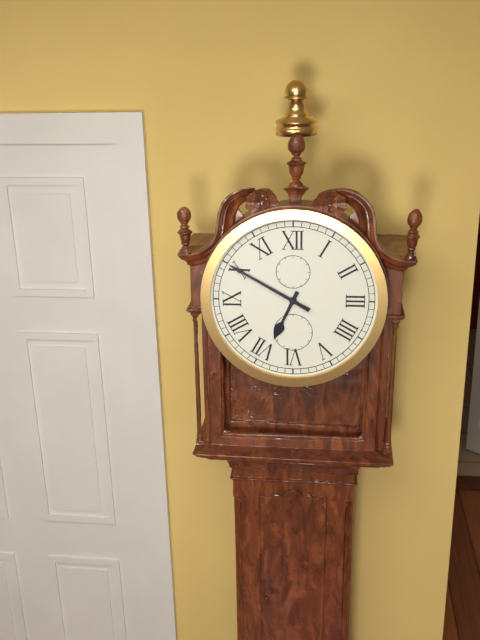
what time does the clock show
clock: 6:50
